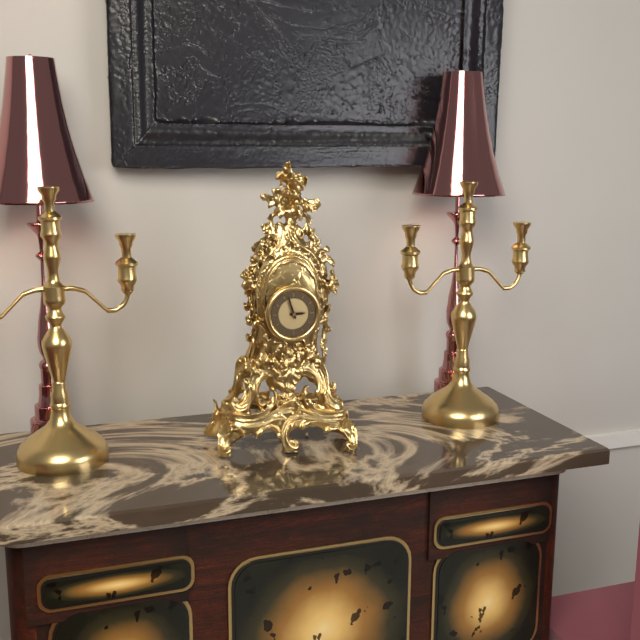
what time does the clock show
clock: 2:57
